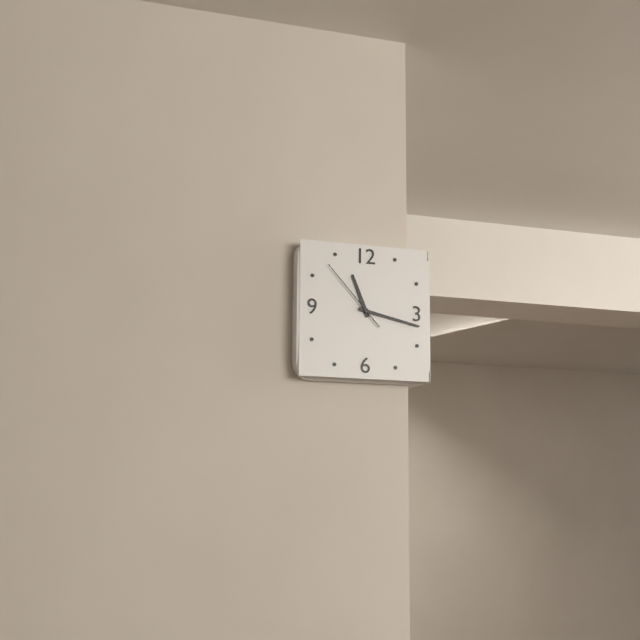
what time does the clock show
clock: 11:17:53
